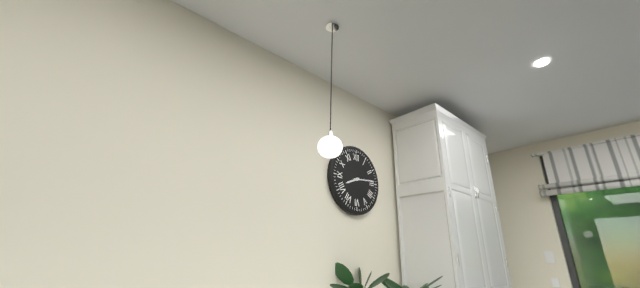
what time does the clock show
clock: 8:14
